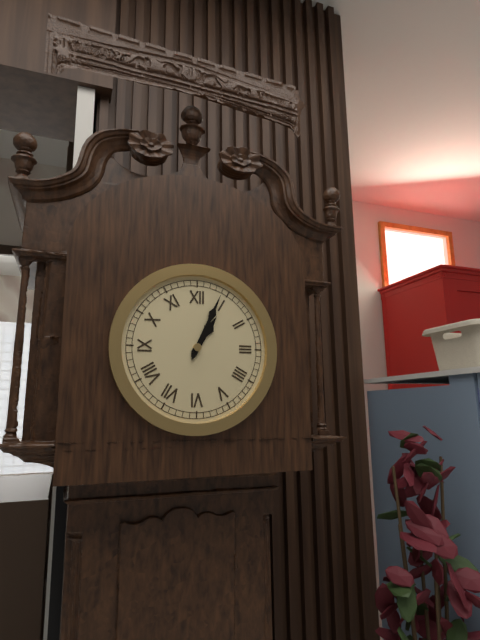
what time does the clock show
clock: 1:04
